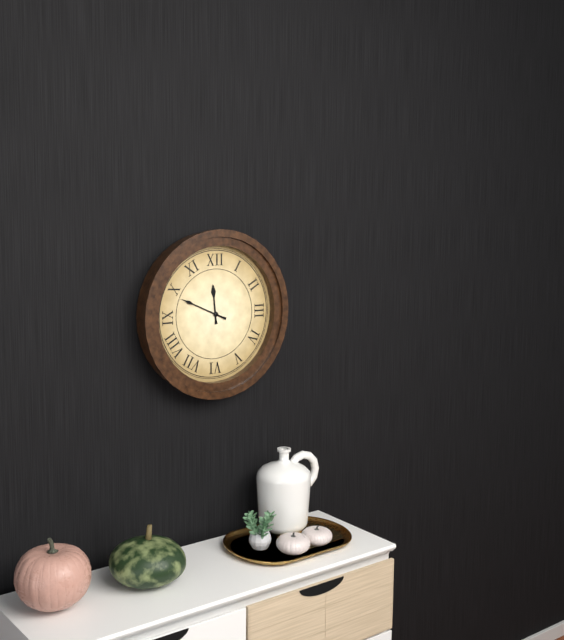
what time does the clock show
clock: 11:49
